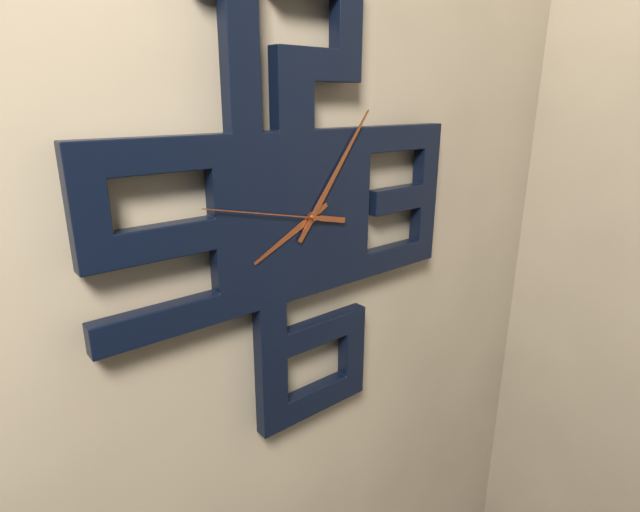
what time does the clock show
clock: 8:06:47
